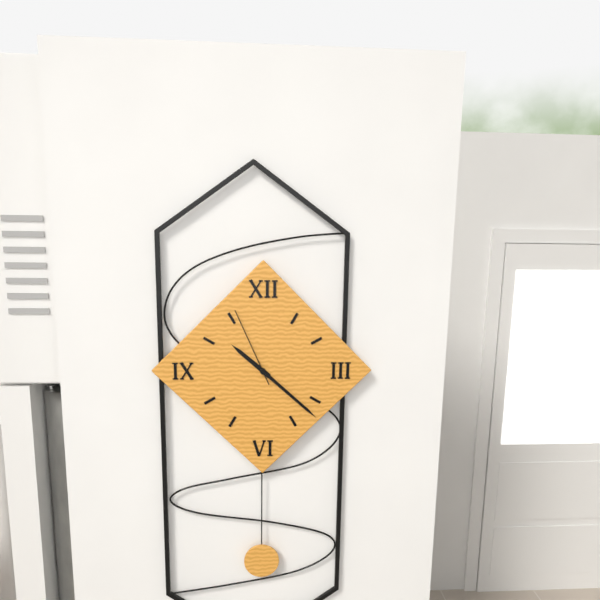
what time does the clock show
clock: 10:22:56
